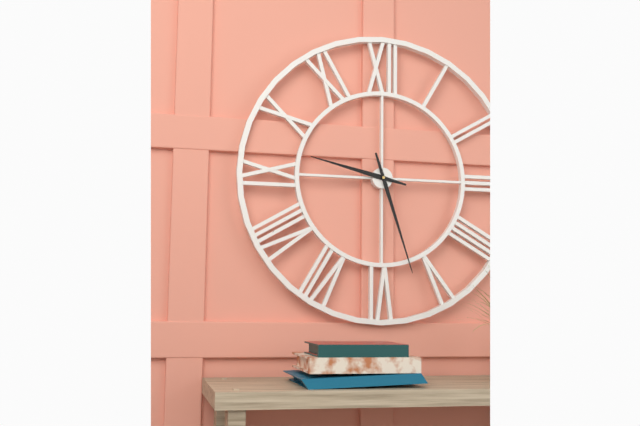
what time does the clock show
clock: 9:27
